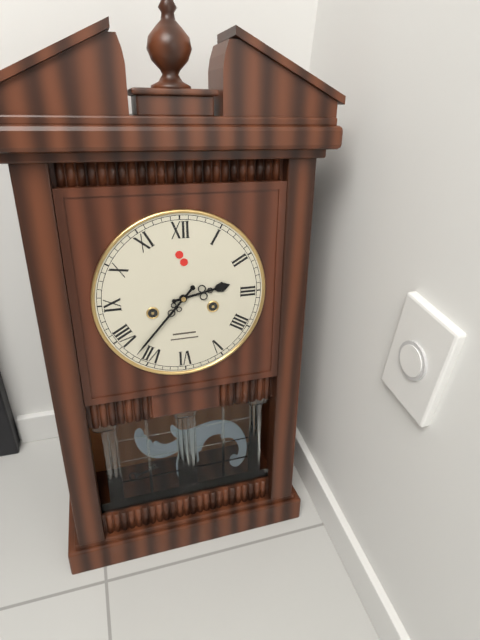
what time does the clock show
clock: 2:37
